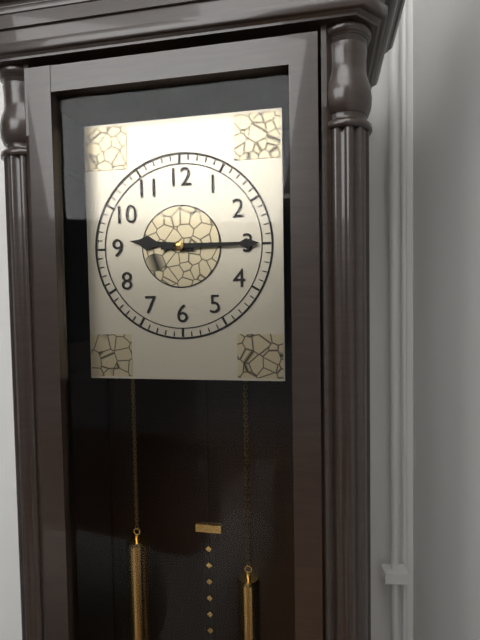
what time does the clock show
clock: 9:15
